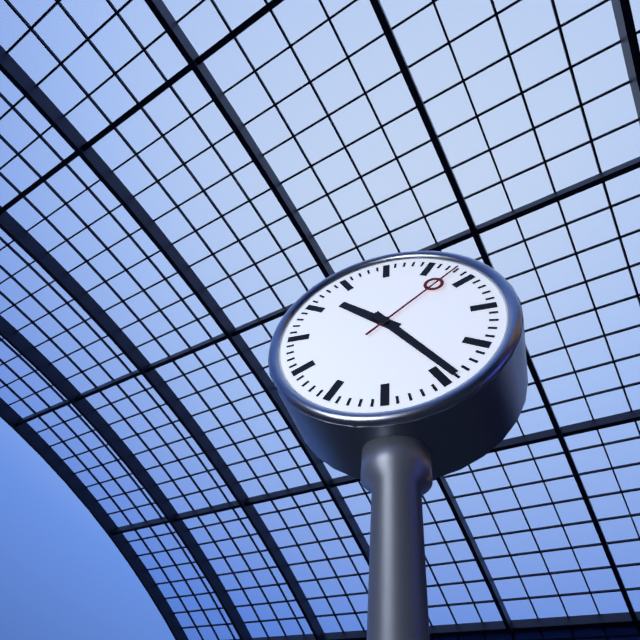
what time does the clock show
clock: 10:24:08
